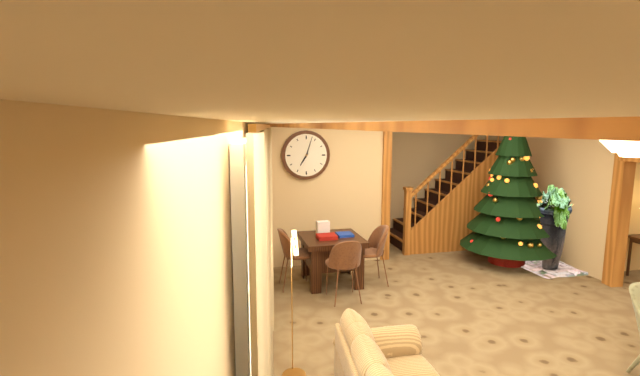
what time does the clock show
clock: 7:03
